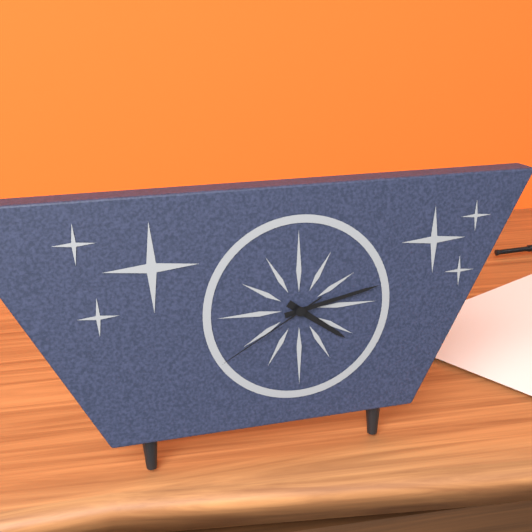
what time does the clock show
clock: 4:13:40
